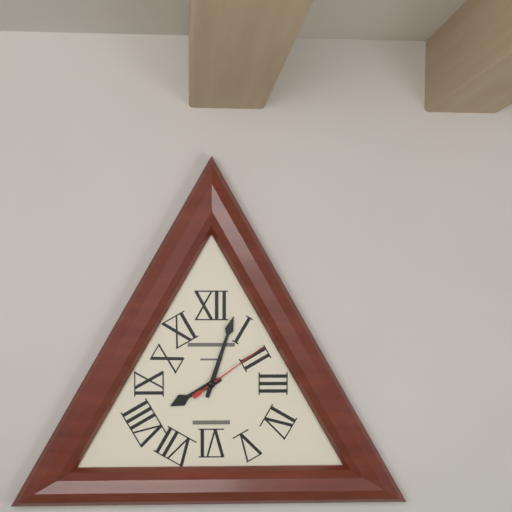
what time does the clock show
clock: 8:03:09
